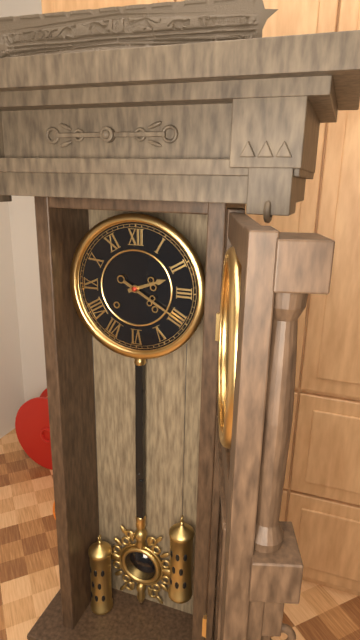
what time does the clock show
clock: 2:20
